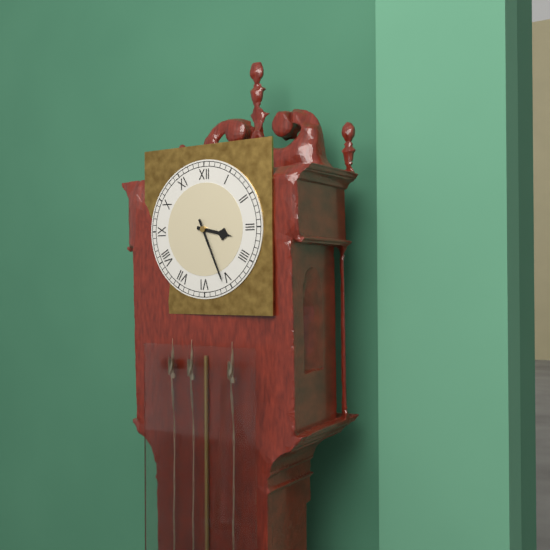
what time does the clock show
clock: 3:26
